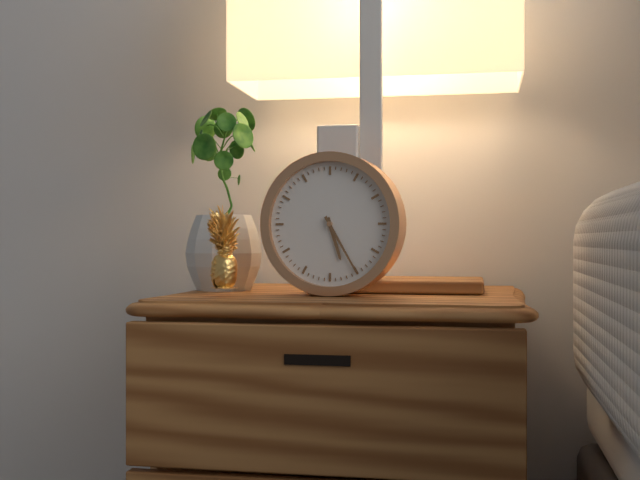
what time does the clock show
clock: 5:25
